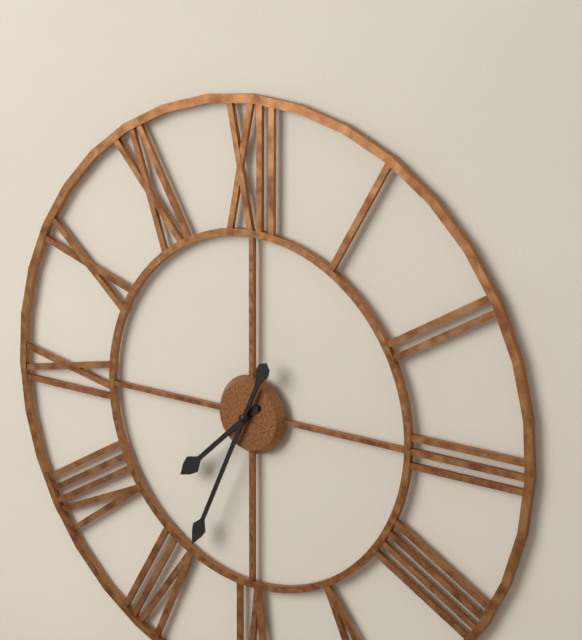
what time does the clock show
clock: 7:34
